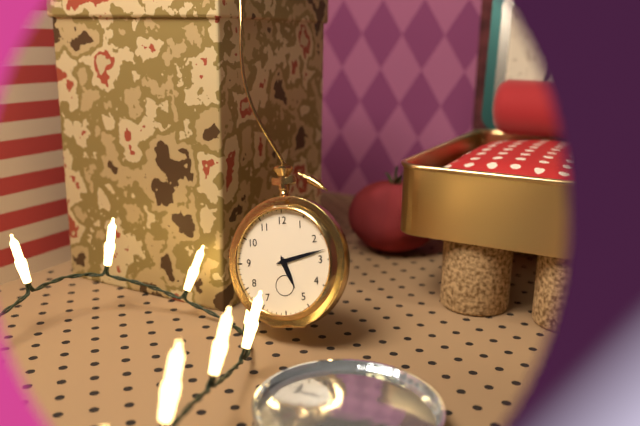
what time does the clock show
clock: 5:13
